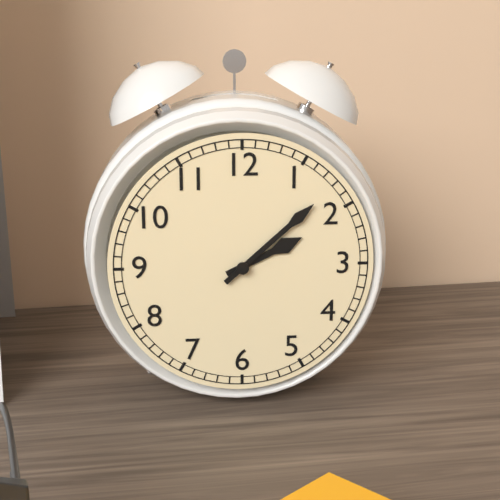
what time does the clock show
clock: 2:08
